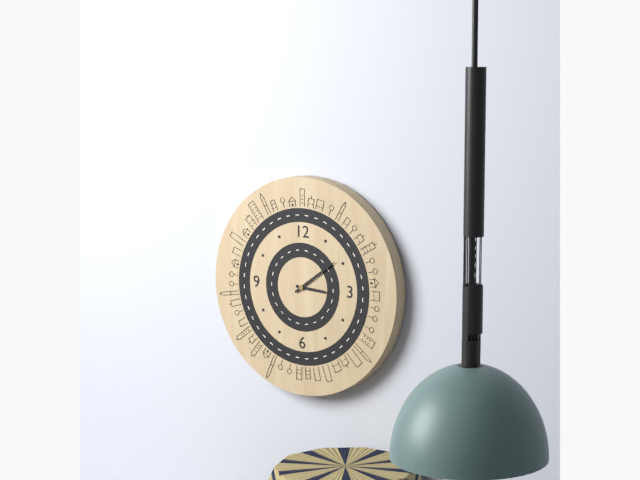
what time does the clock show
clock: 3:09
